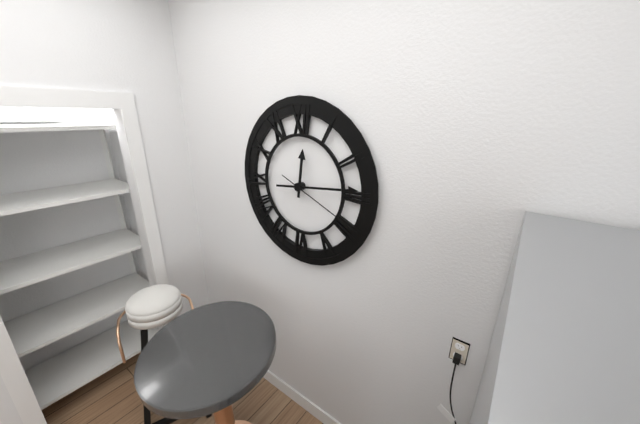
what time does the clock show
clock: 12:14:19
